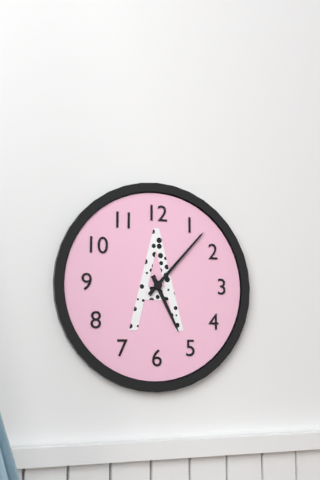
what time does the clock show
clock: 5:07
